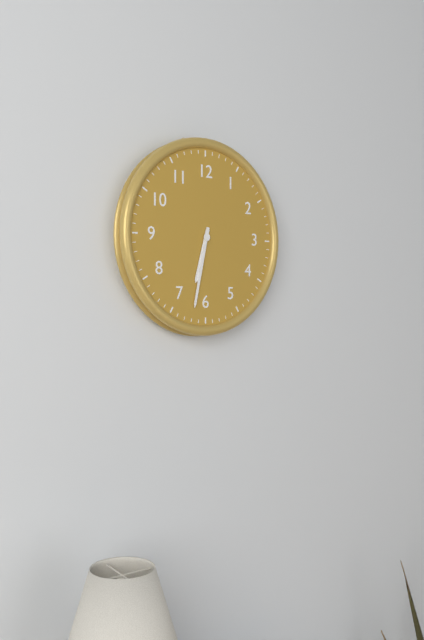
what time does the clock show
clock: 6:32
